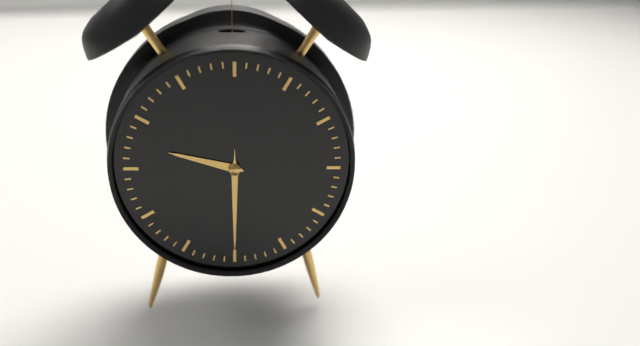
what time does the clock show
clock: 9:30:30
